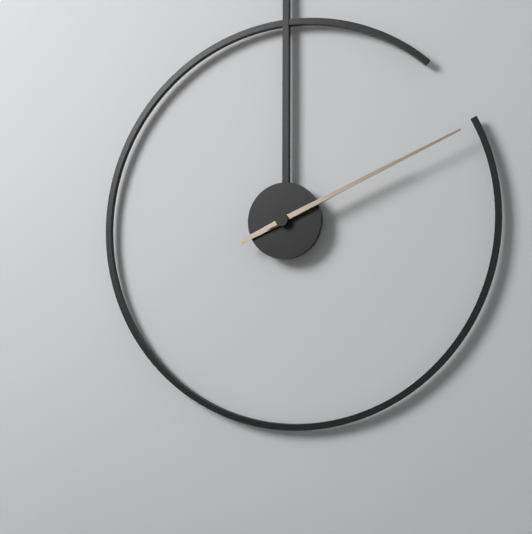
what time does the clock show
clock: 2:11
